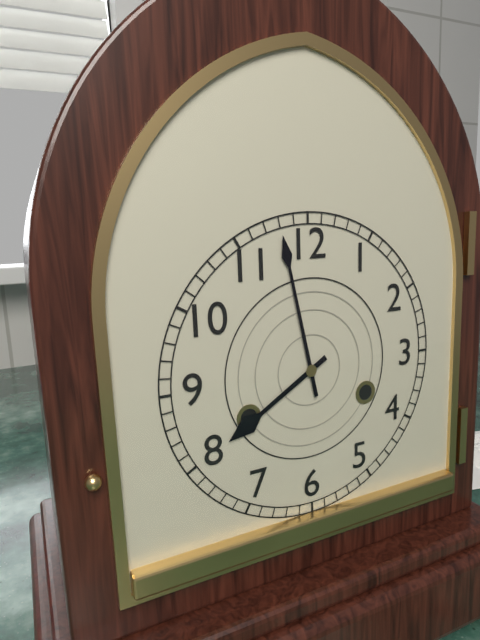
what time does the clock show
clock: 7:58
